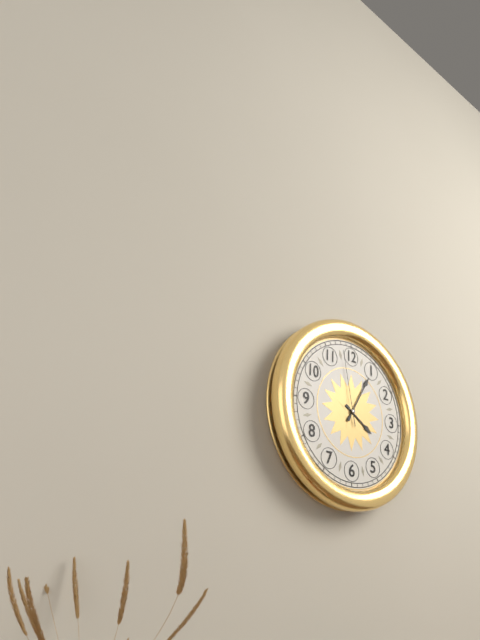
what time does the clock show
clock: 4:05:58
